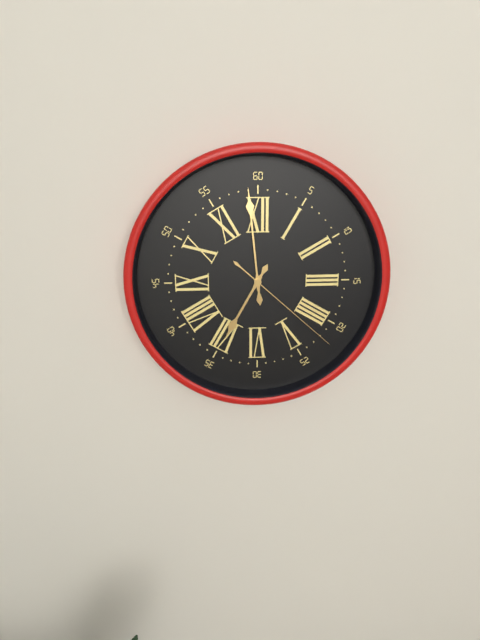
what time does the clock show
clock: 6:59:22
